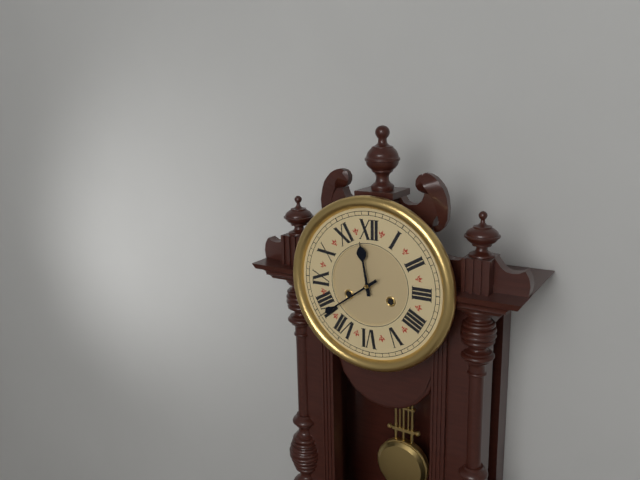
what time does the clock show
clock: 11:39
